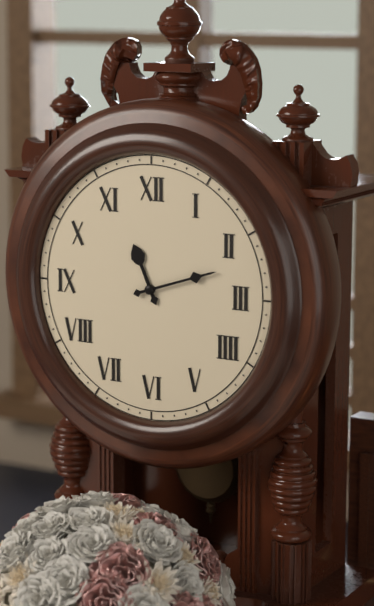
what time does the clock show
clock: 11:12
